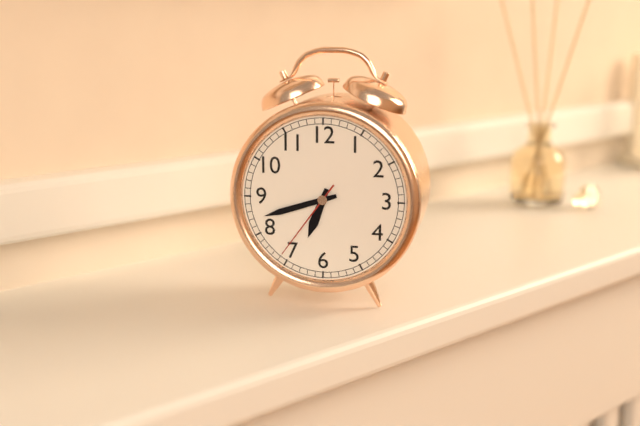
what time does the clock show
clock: 6:42:36
